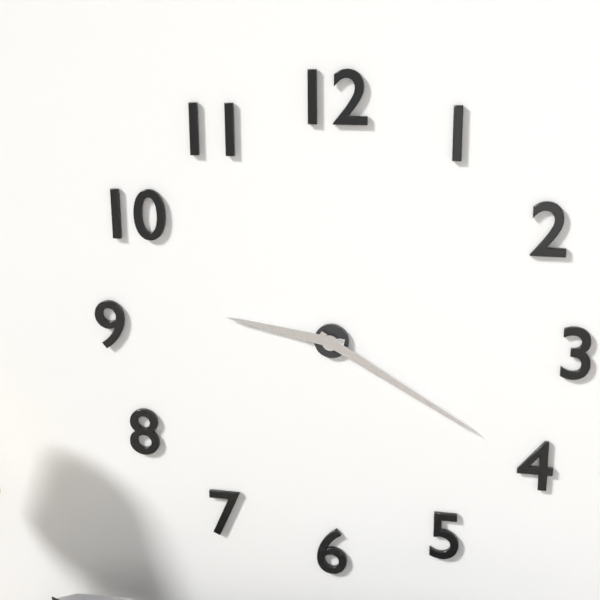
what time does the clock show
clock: 9:20
